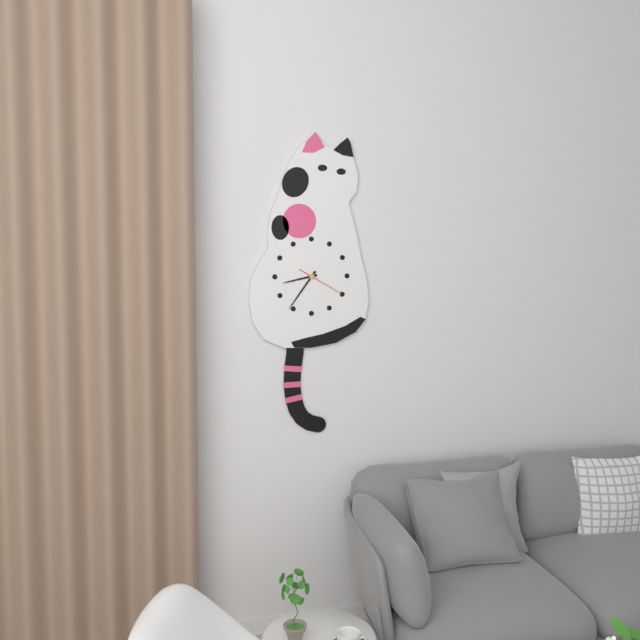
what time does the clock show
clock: 8:36
